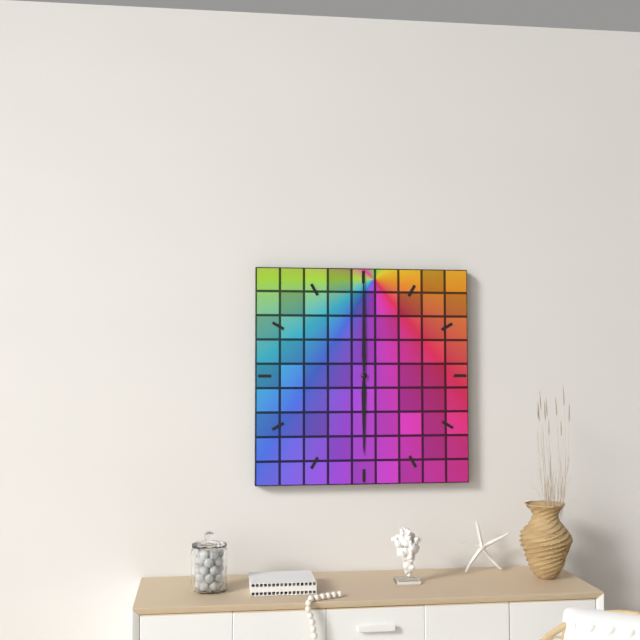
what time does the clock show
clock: 6:00
